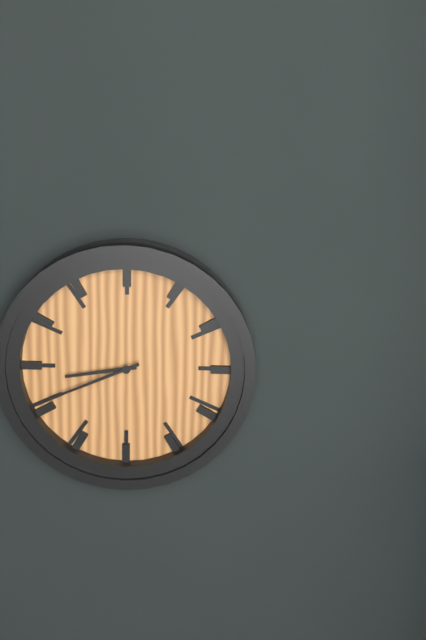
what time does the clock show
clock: 8:41
